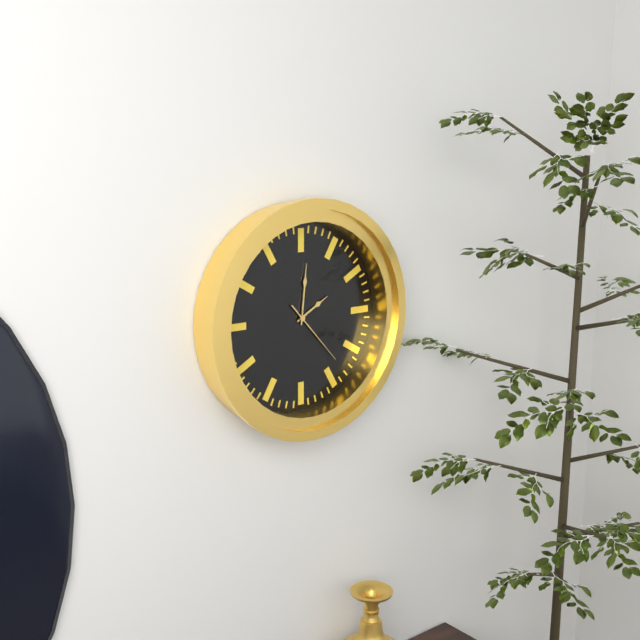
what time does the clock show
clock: 2:01:23
